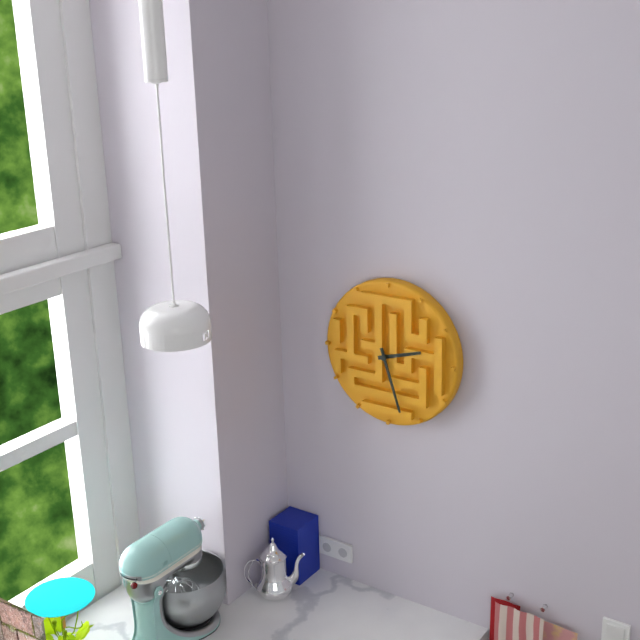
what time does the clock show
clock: 2:27
